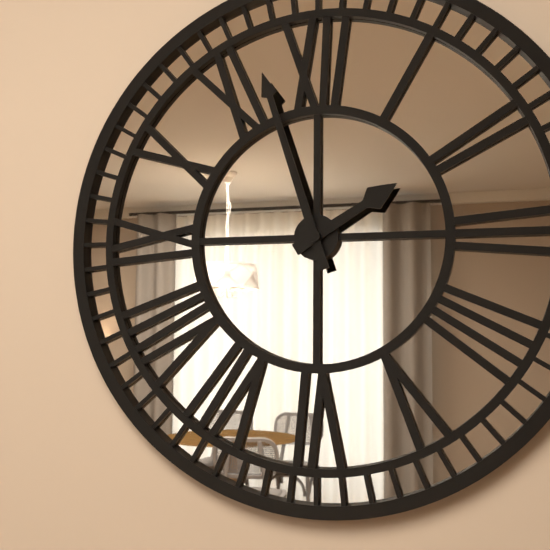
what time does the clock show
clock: 1:57
